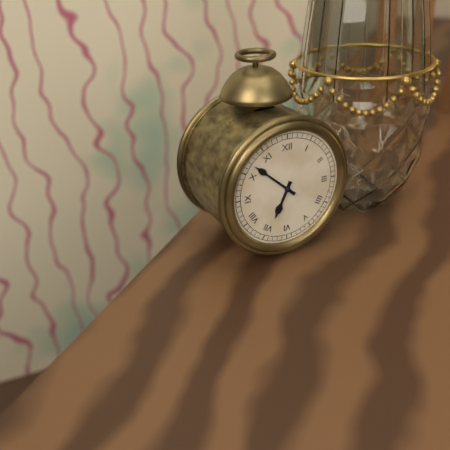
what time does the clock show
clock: 6:52
